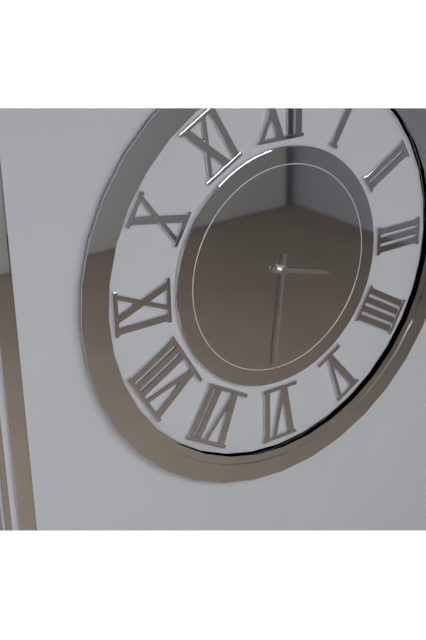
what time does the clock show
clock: 3:31
